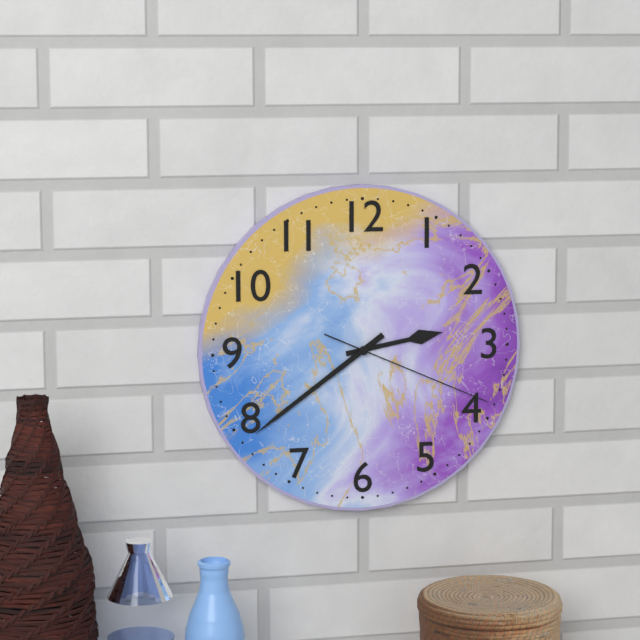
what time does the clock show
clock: 2:39:19
